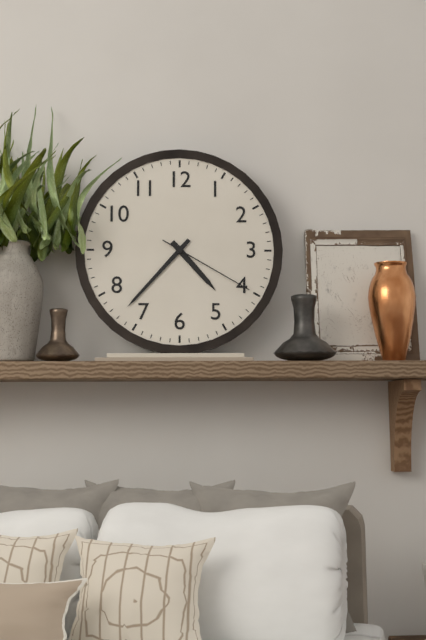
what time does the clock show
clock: 4:37:20
